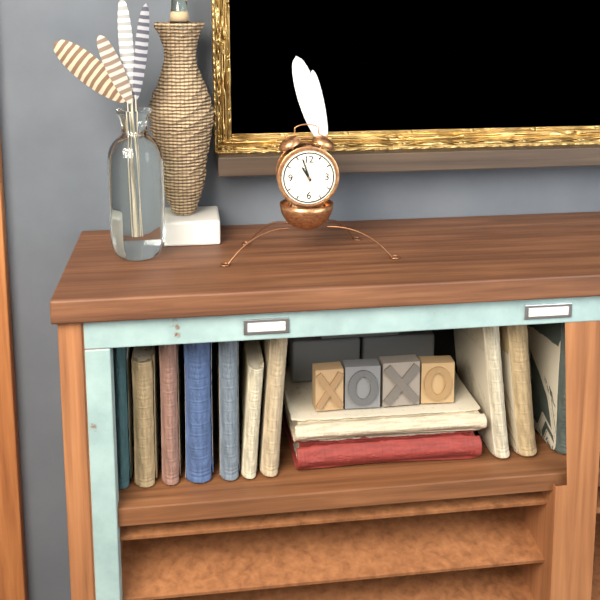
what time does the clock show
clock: 10:57
